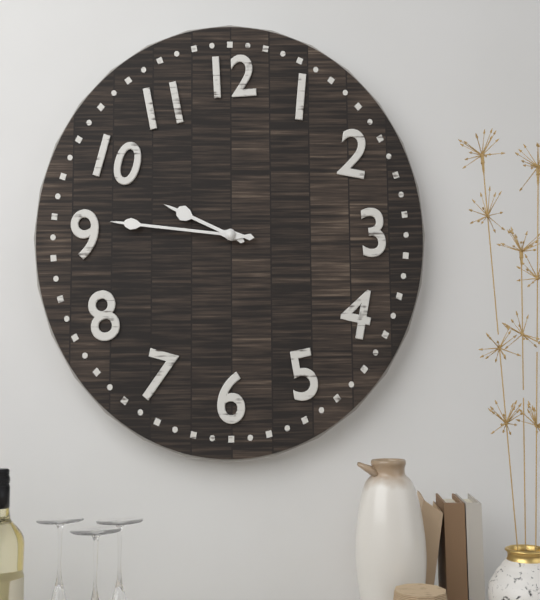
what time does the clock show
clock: 9:46
